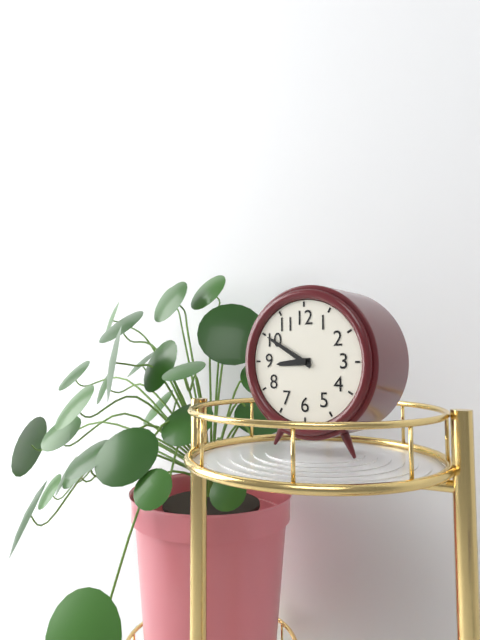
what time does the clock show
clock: 8:50
